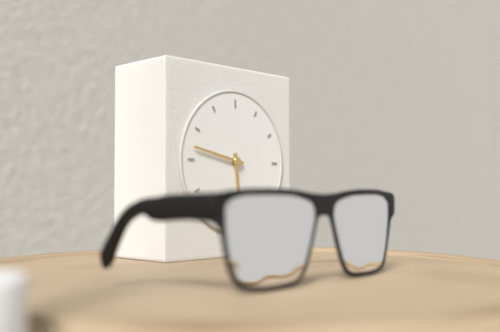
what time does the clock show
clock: 5:47
